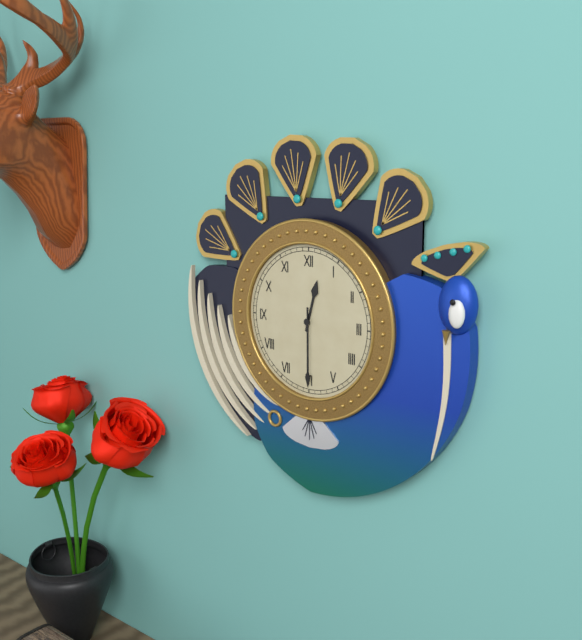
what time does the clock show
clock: 12:30
